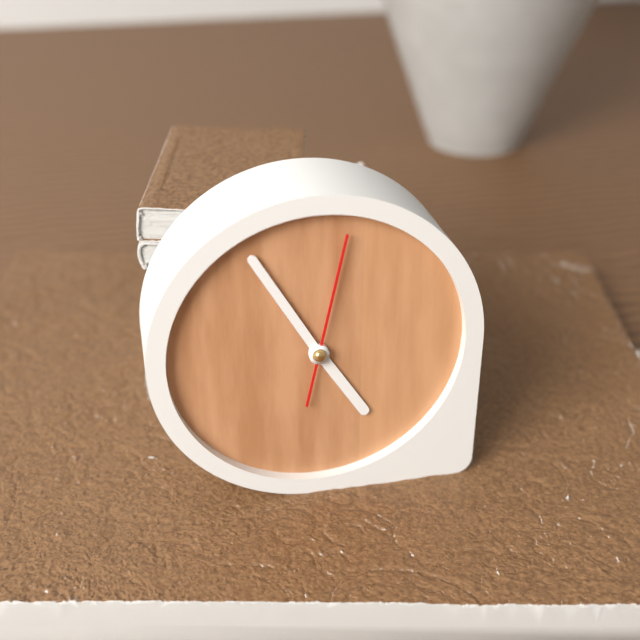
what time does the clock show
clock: 4:55:02
